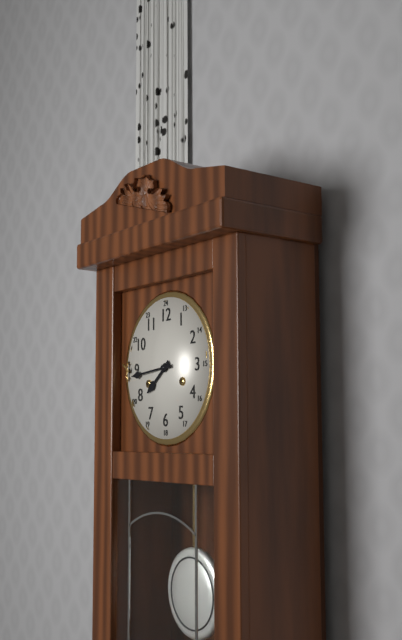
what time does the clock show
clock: 7:44
